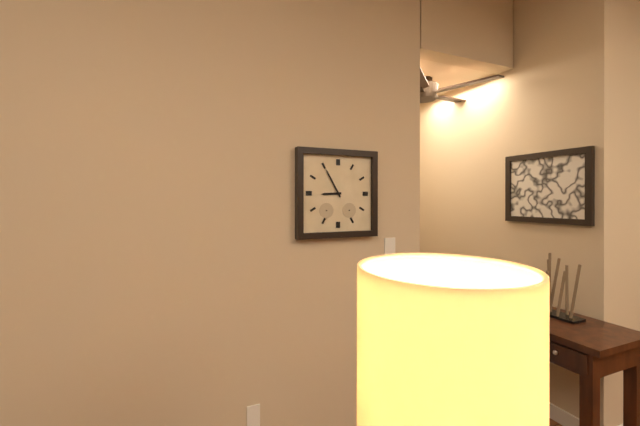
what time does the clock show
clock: 8:55
